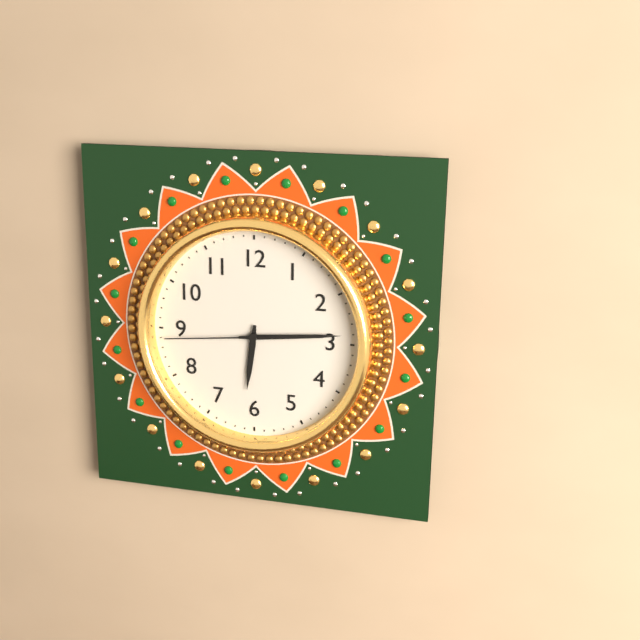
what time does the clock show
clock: 6:14:44
